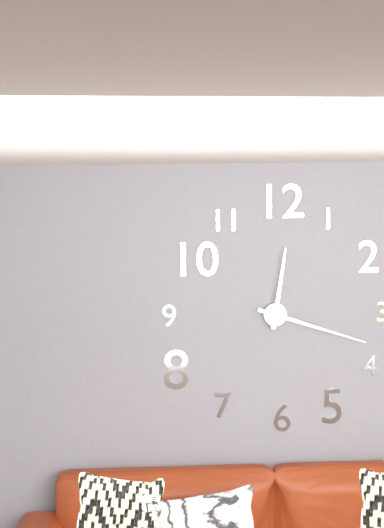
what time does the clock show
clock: 12:18
